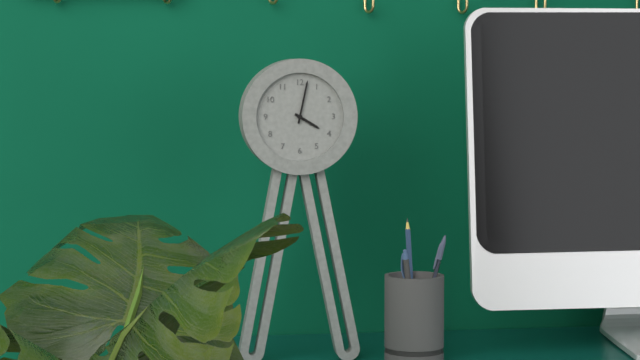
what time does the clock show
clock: 4:02
